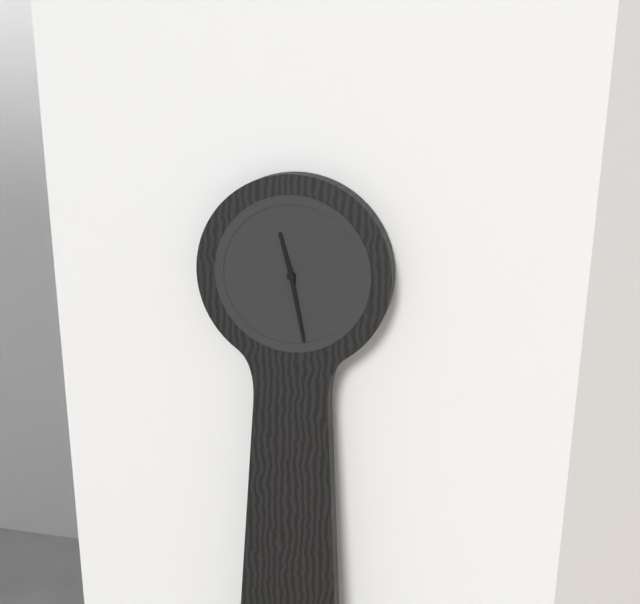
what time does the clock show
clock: 11:28
